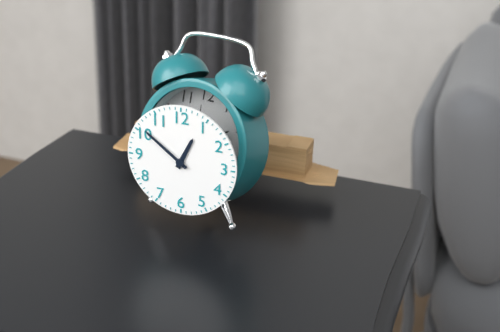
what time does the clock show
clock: 12:51
